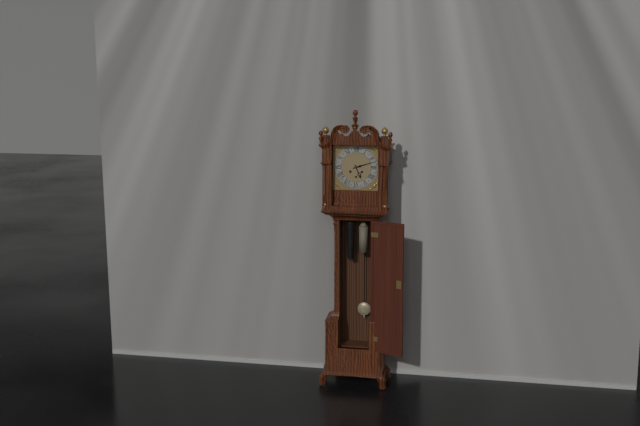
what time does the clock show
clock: 5:12
